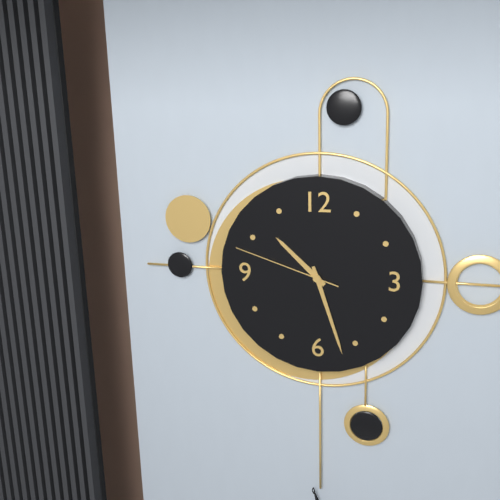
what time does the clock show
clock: 10:27:48
